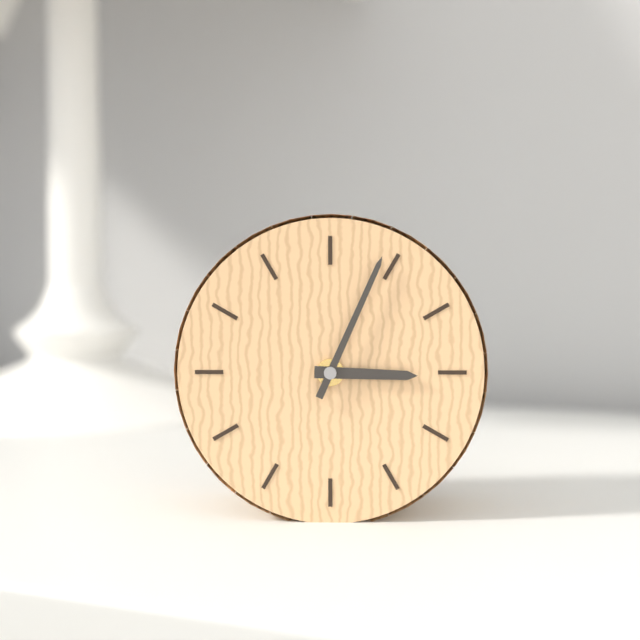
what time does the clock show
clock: 3:04
